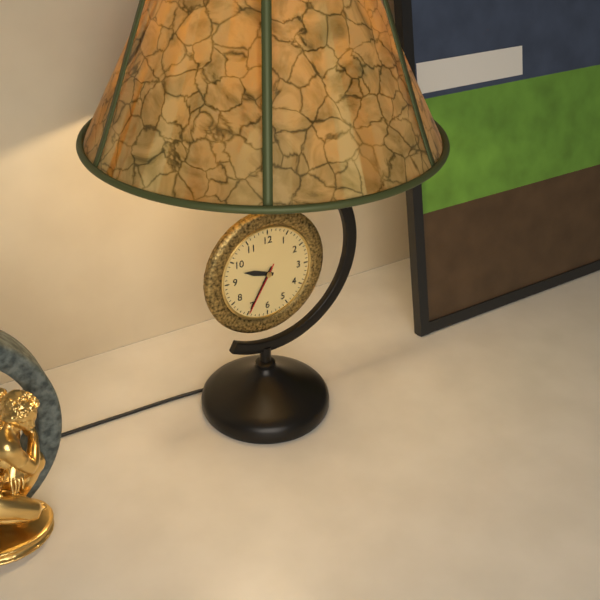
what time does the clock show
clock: 9:35:35
